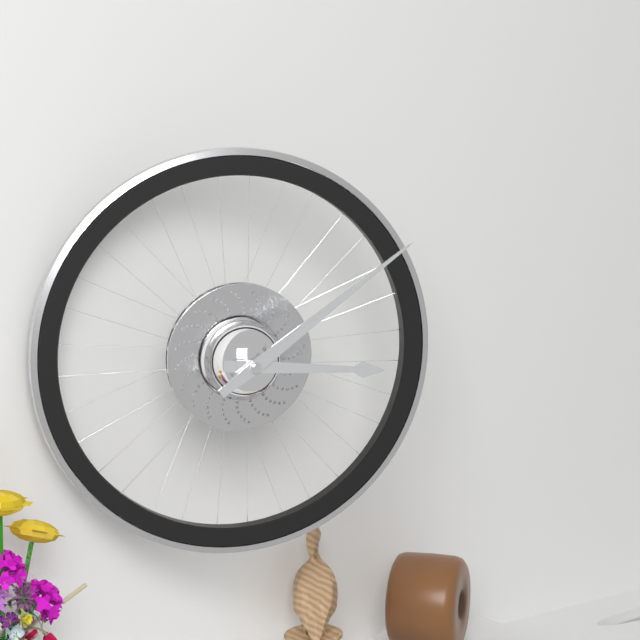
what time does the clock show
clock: 3:09
